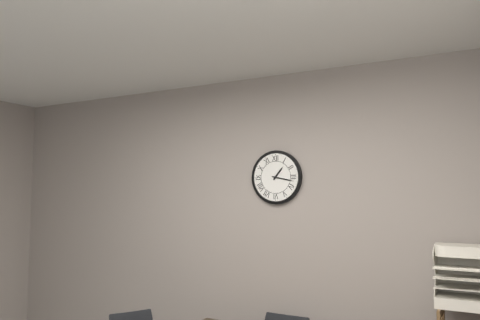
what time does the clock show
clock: 1:17
